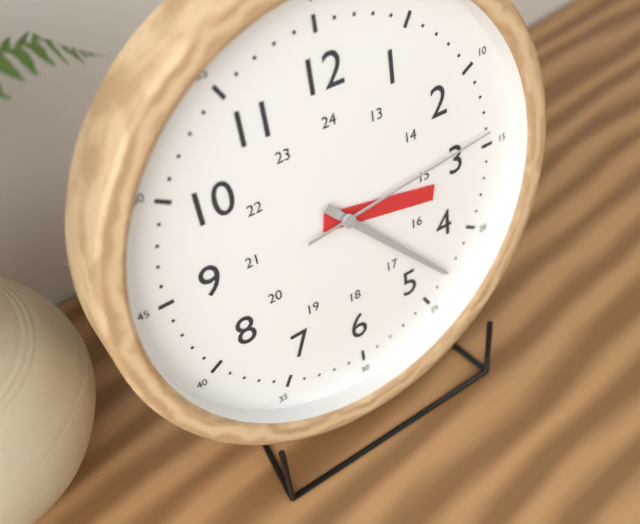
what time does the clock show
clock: 3:23:14
